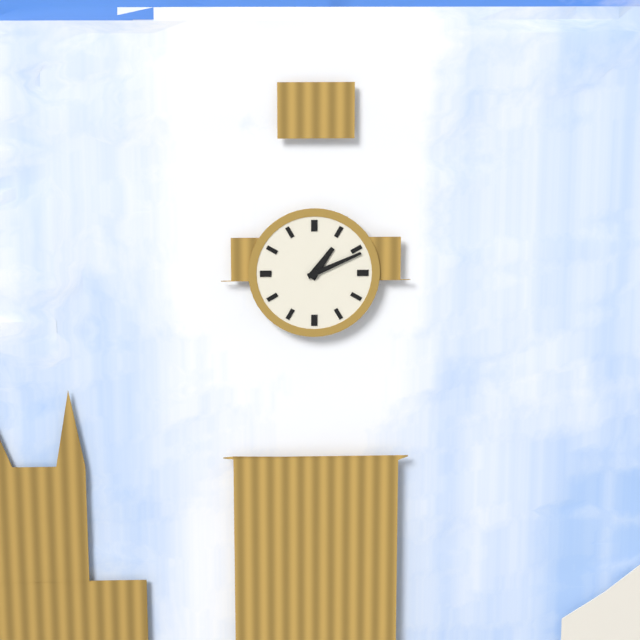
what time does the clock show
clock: 1:11
